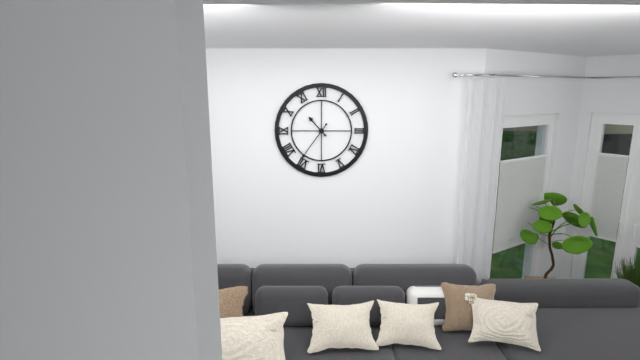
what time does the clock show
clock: 10:36
